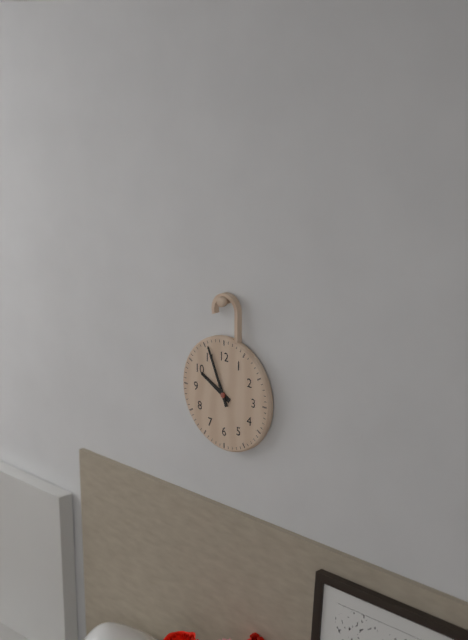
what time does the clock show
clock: 9:56
